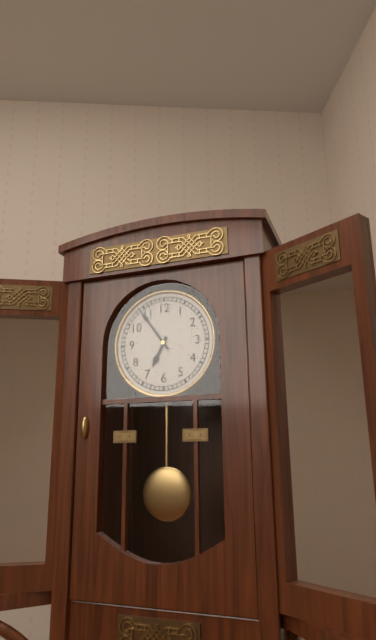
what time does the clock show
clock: 6:54
